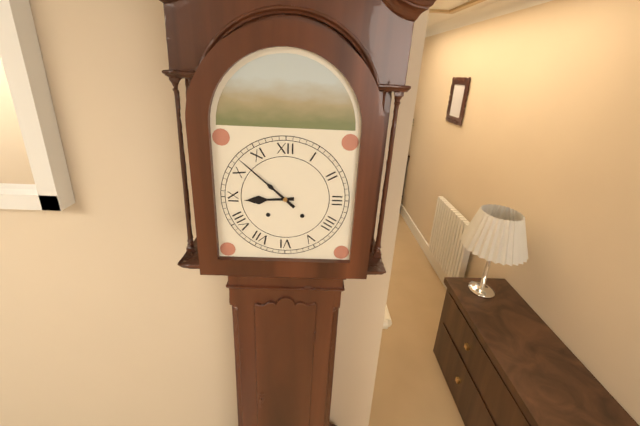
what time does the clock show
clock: 8:52
